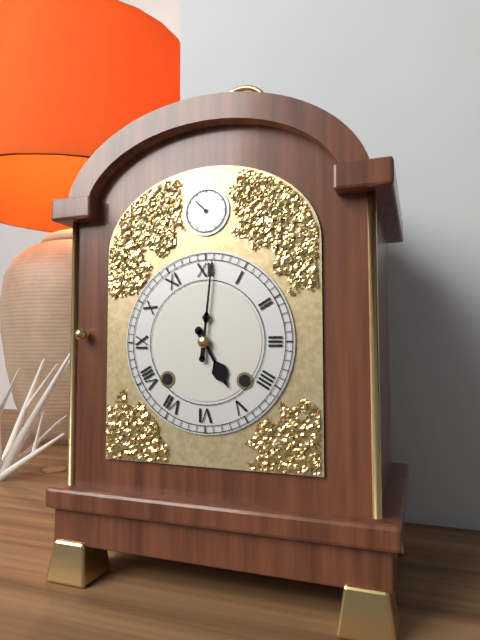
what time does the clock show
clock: 5:01
